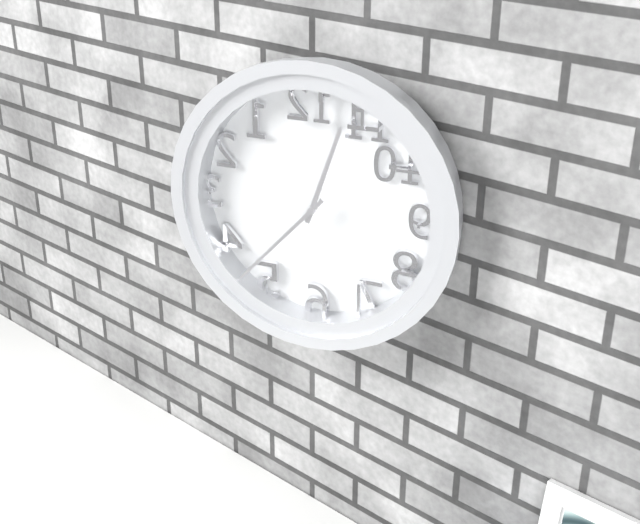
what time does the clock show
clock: 12:37
